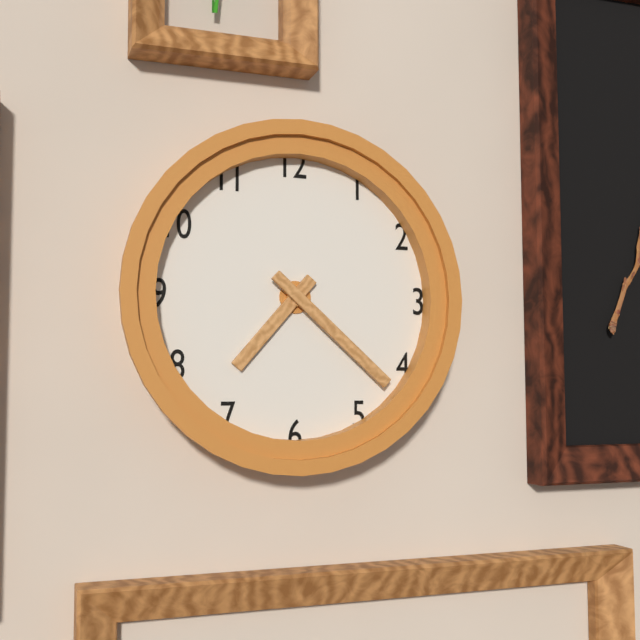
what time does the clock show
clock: 7:22
